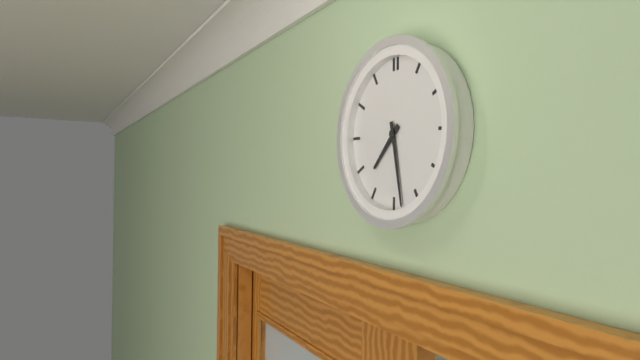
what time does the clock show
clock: 7:28
